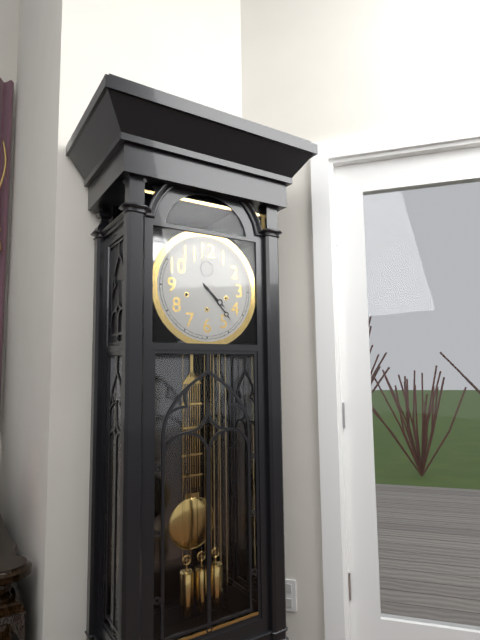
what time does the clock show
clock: 4:23
